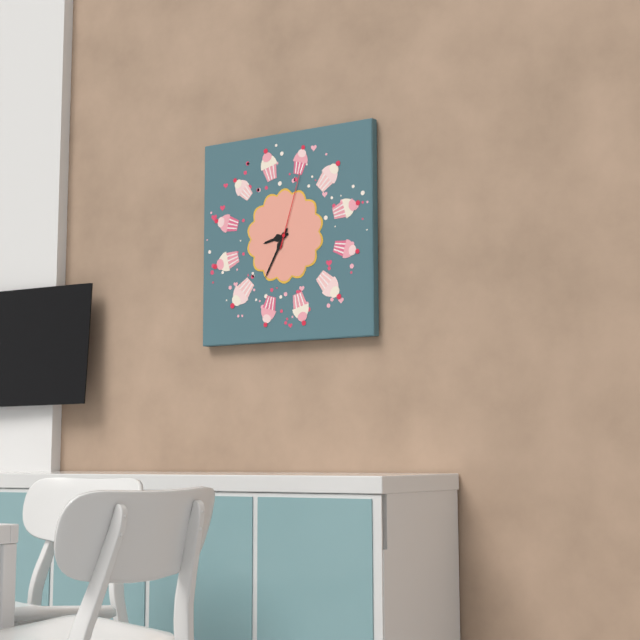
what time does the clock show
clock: 8:35:03
